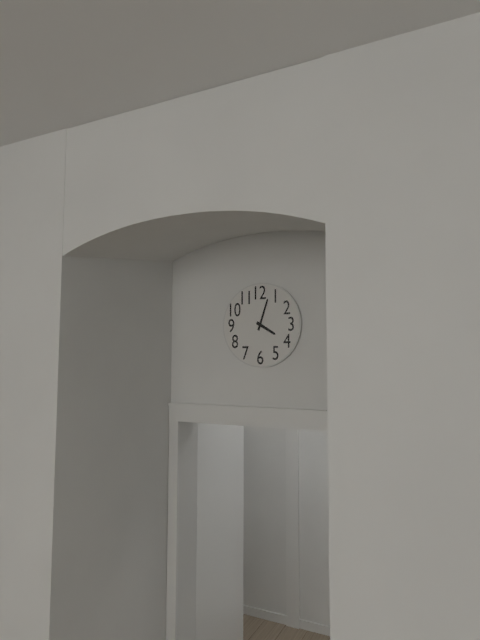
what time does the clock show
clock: 4:03
